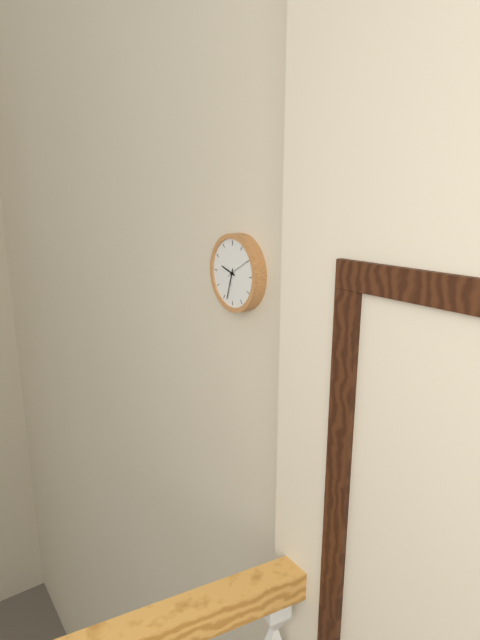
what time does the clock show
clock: 9:33
